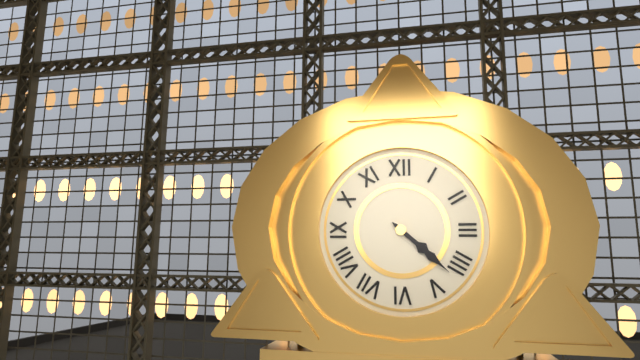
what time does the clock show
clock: 4:22
